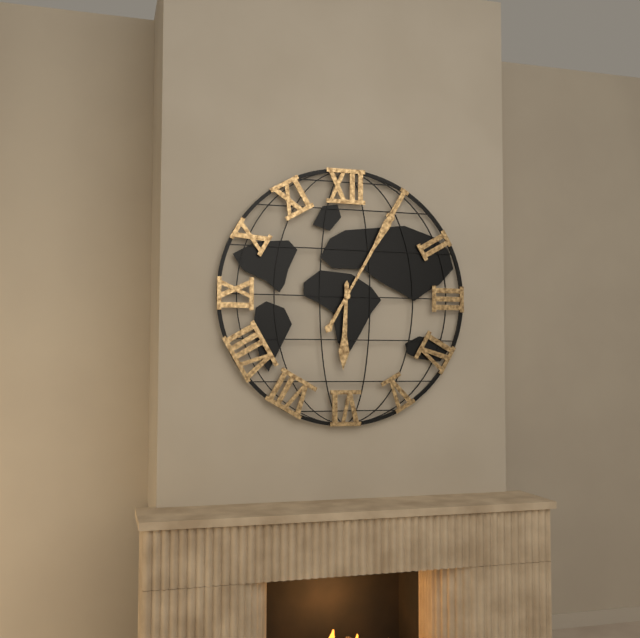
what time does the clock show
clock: 6:05
